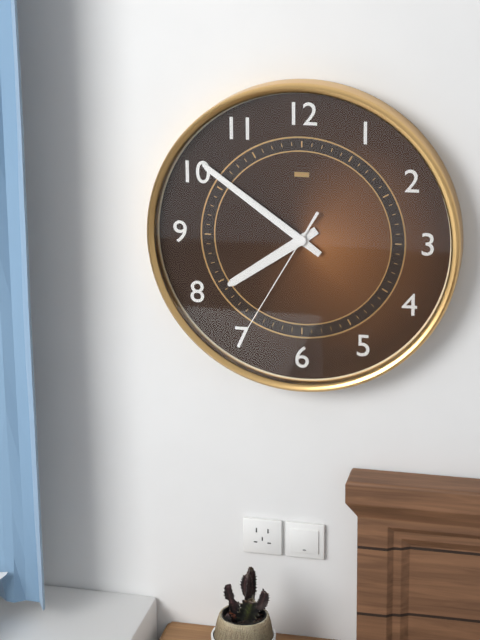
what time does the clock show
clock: 7:51:35
